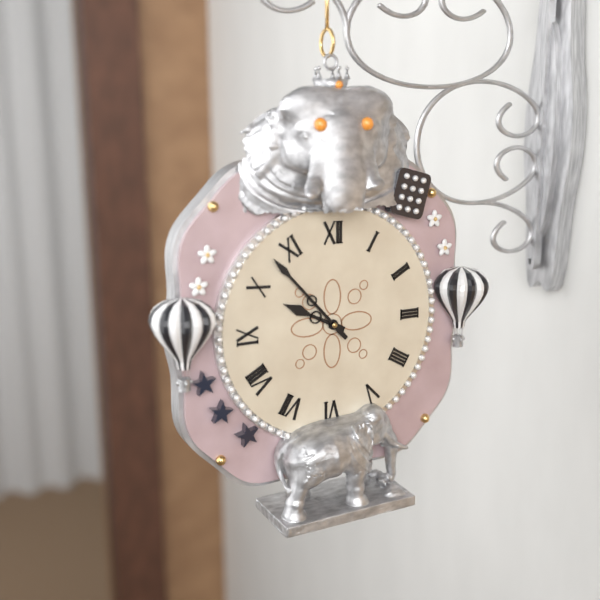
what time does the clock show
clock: 9:53
